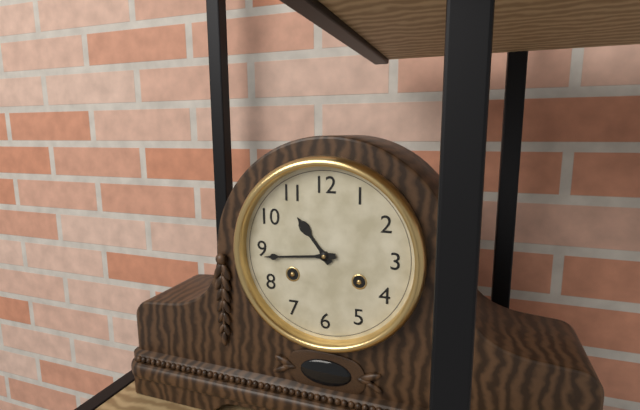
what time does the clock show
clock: 10:44
